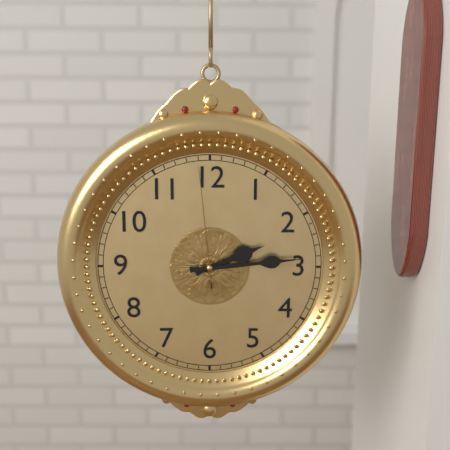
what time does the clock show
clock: 2:14:59
